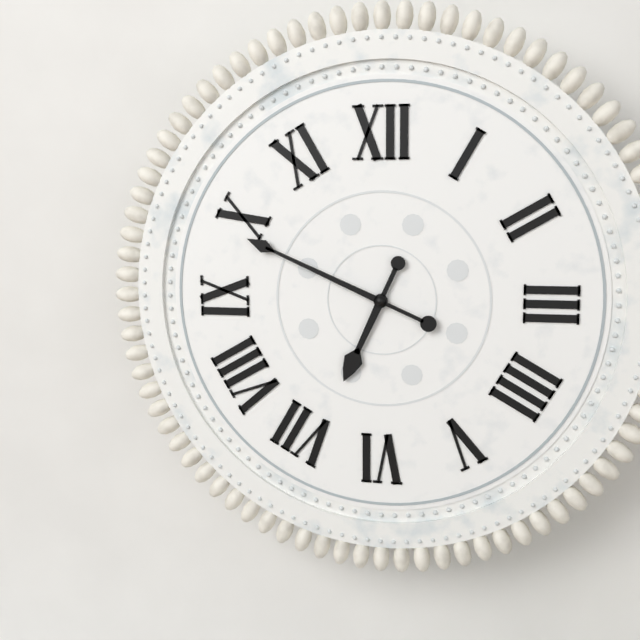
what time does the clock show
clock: 6:49
